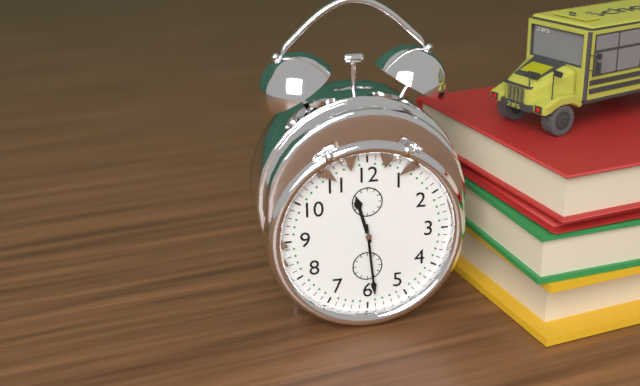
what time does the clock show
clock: 11:29
